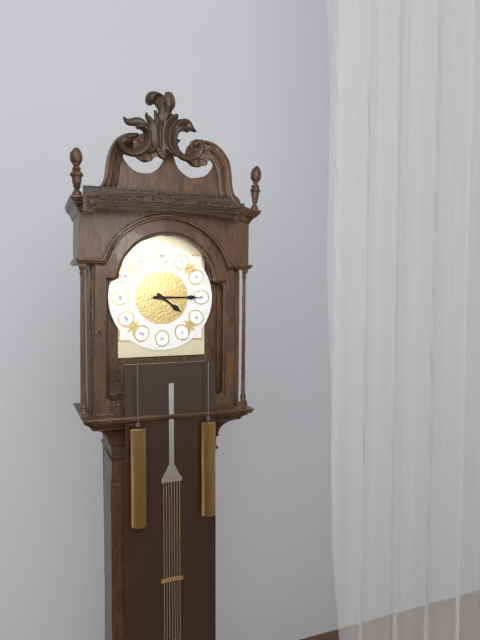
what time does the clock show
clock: 4:15
